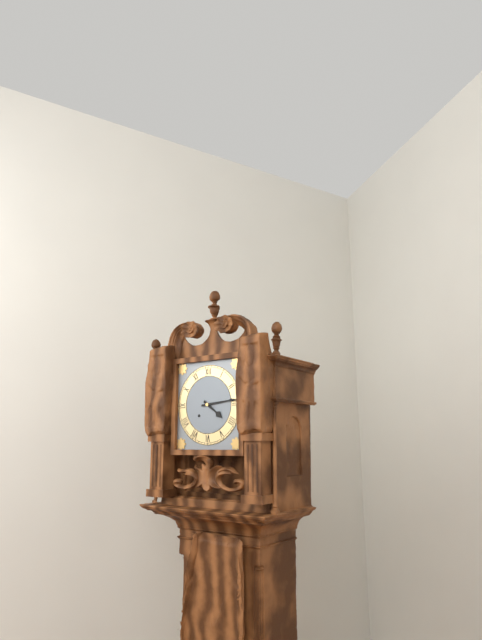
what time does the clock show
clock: 4:14
